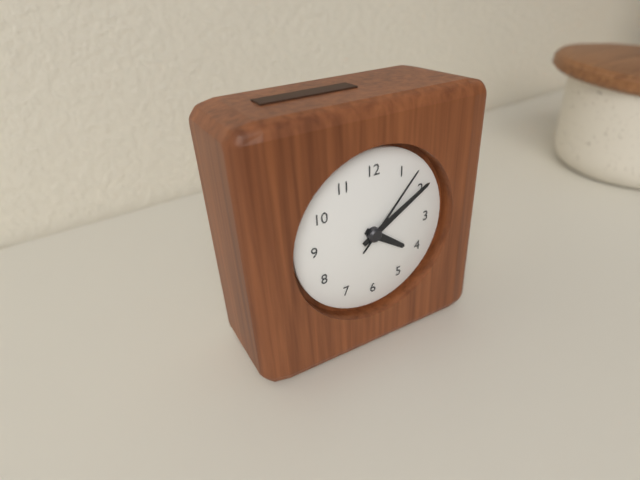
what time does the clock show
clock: 4:10:07
